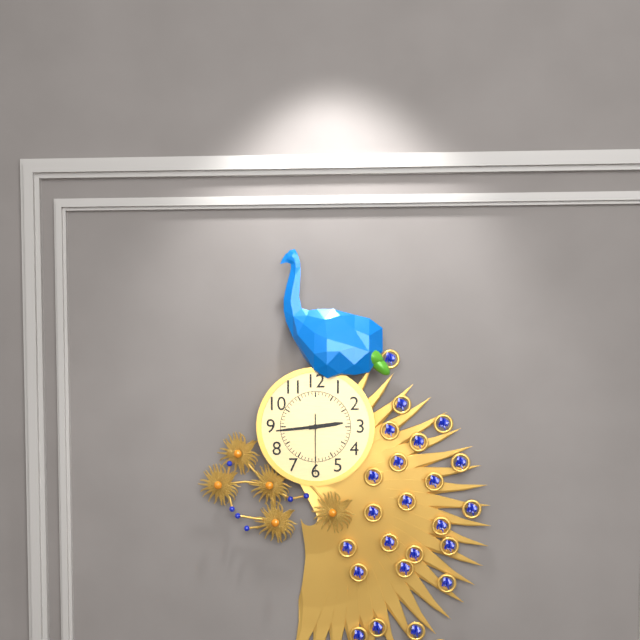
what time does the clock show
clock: 2:44:30
